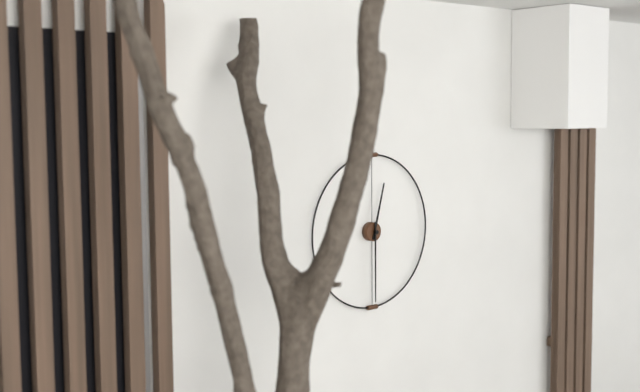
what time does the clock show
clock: 12:30
